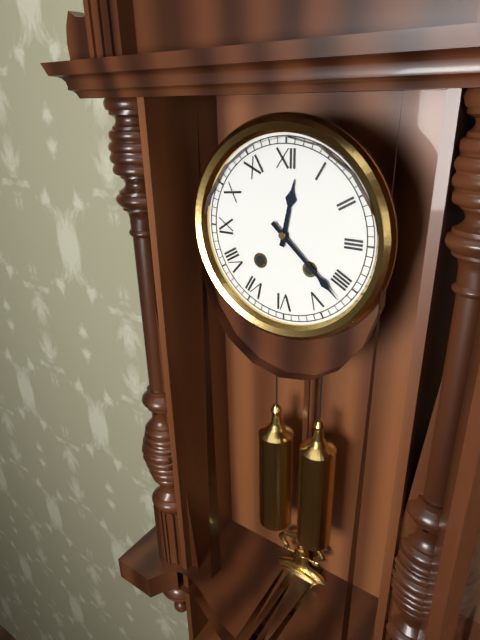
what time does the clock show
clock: 12:22
